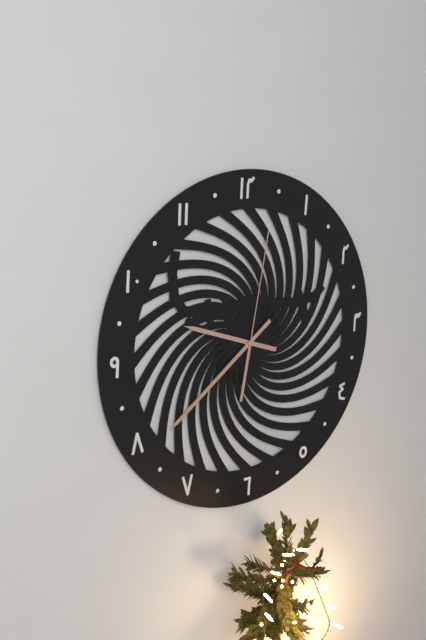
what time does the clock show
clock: 9:39:02
